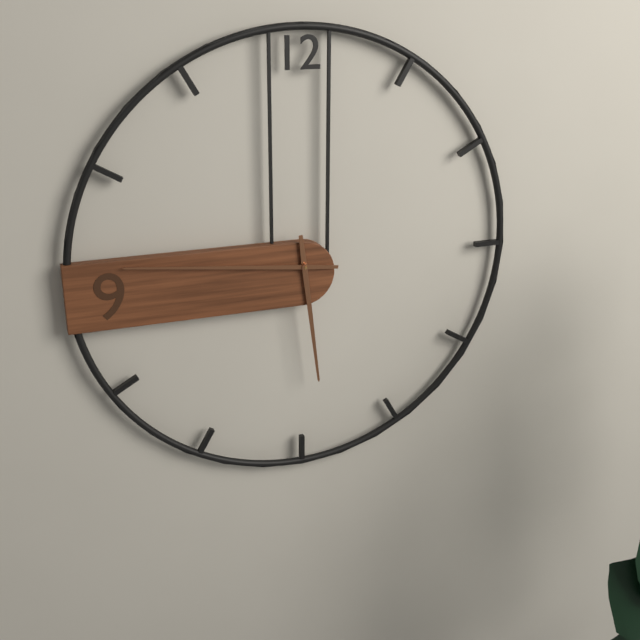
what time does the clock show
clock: 5:46
